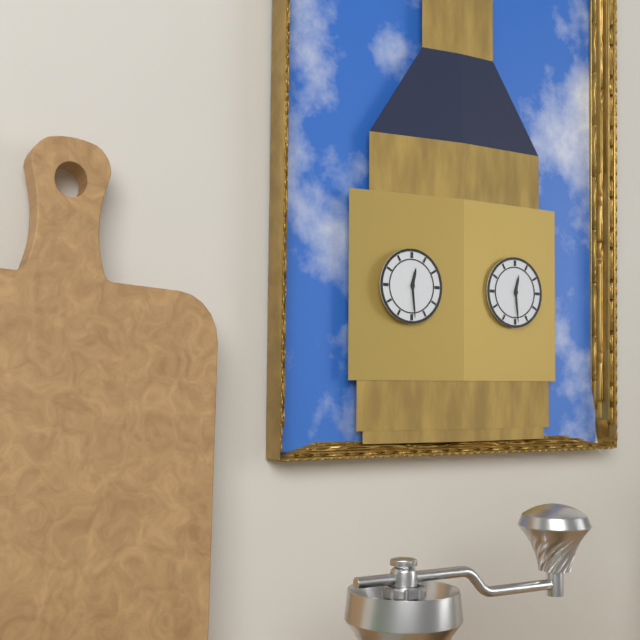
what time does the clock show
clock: 12:29
